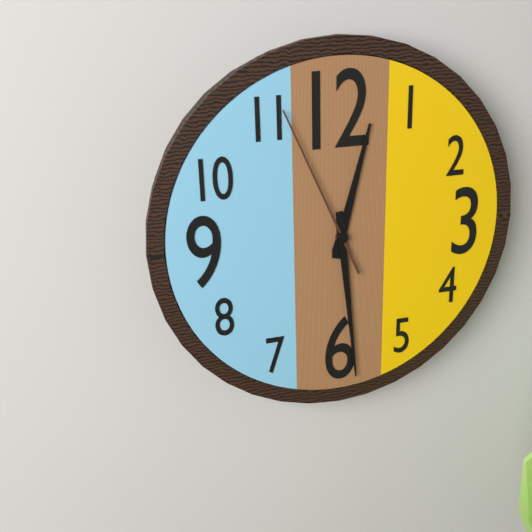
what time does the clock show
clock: 12:29:56
